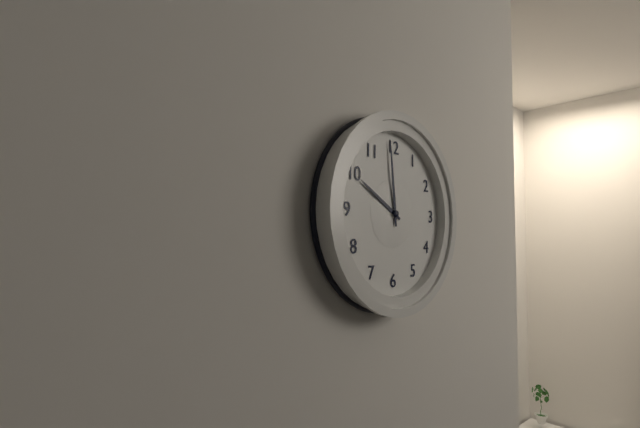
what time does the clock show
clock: 9:59
